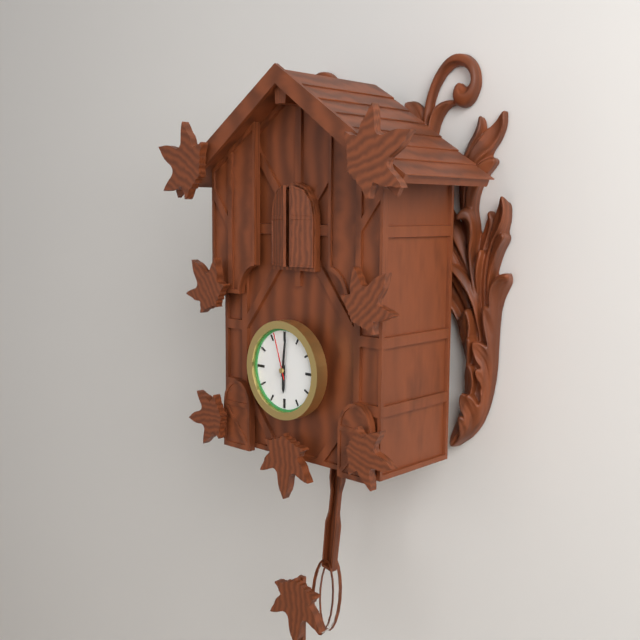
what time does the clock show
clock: 6:01
